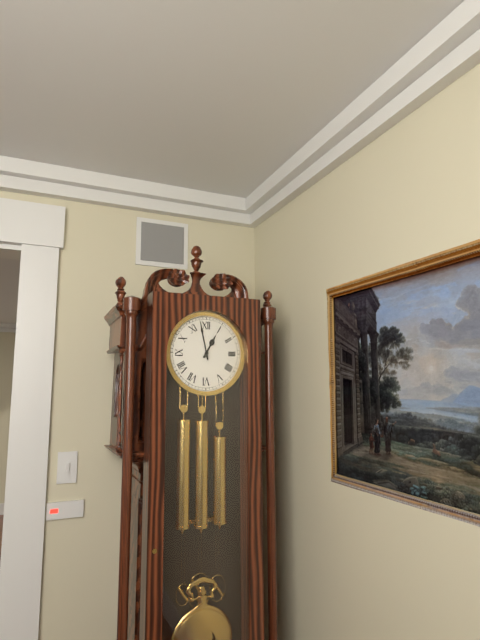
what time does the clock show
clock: 12:58
